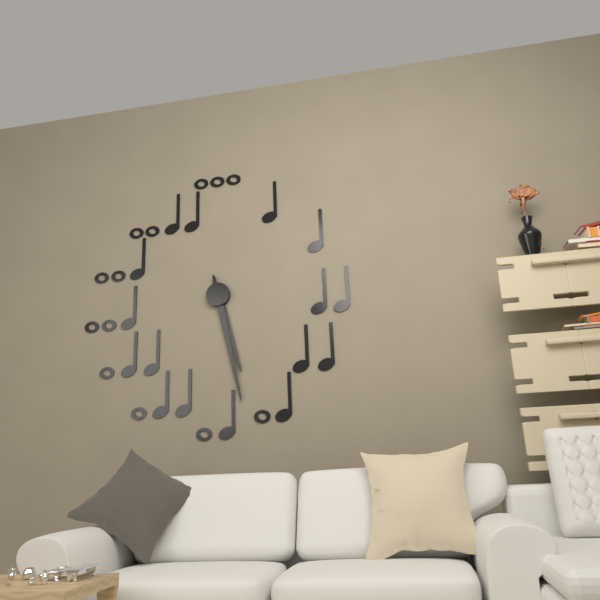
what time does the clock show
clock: 5:28
